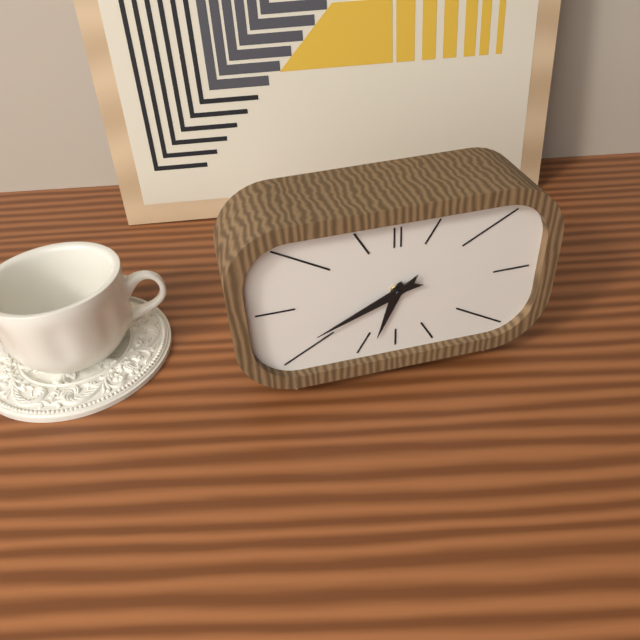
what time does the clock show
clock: 6:41
